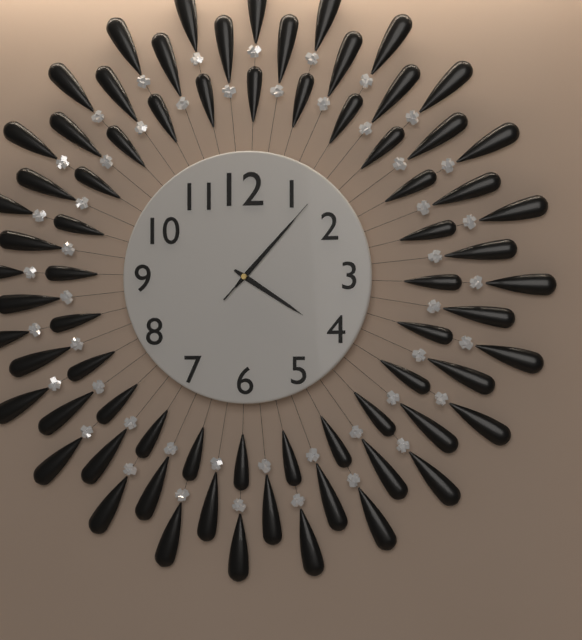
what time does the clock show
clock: 4:07:07
